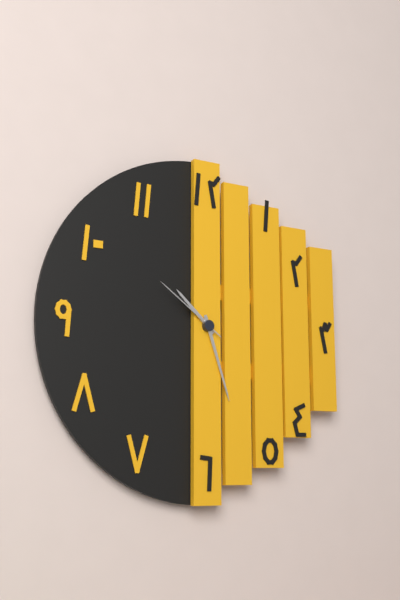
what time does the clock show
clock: 10:27:51
